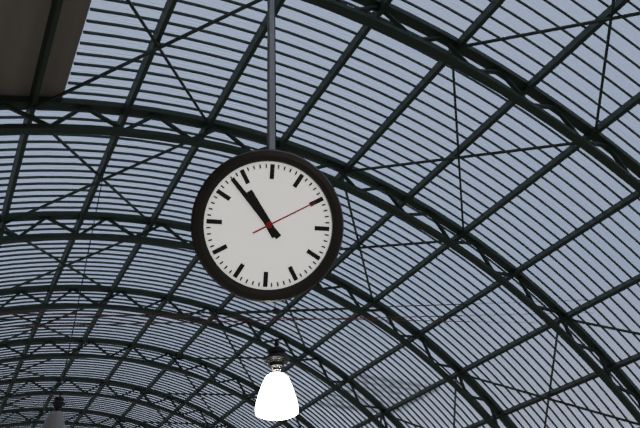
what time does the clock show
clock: 10:53:10
